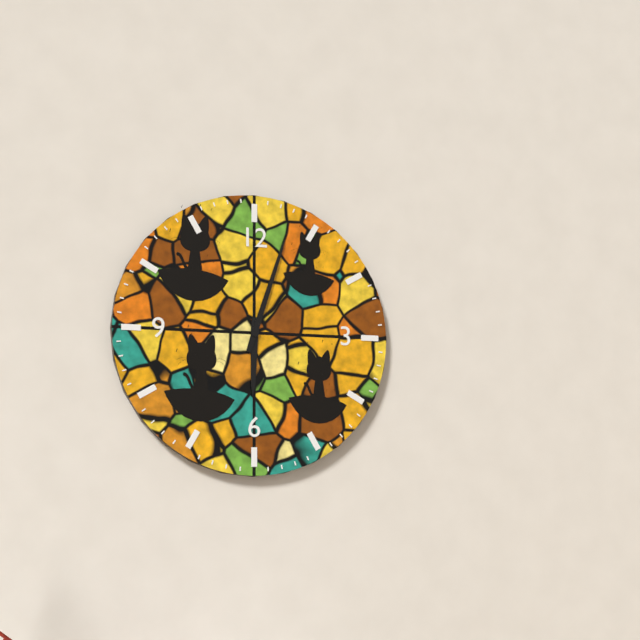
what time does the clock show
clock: 6:03
